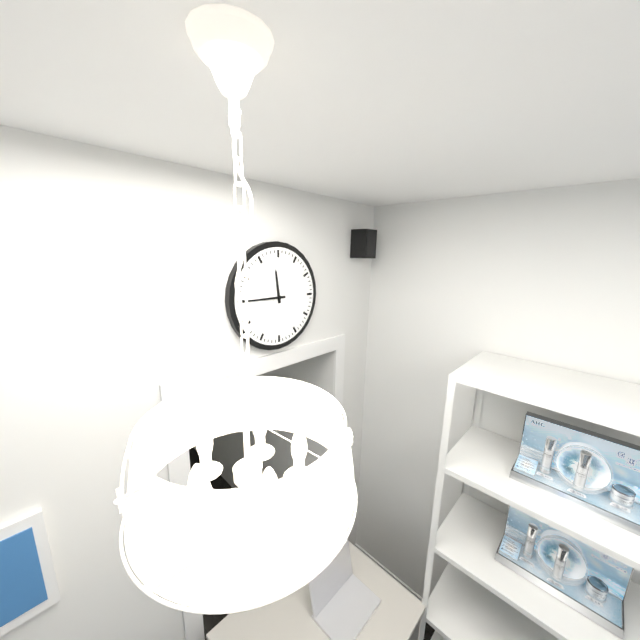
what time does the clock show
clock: 11:45
